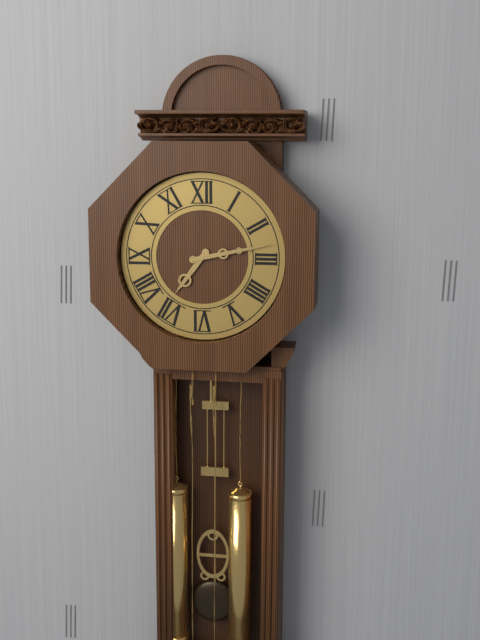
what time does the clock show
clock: 7:13
